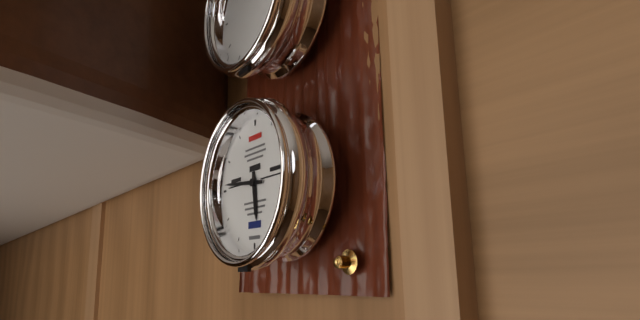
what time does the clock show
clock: 5:46
